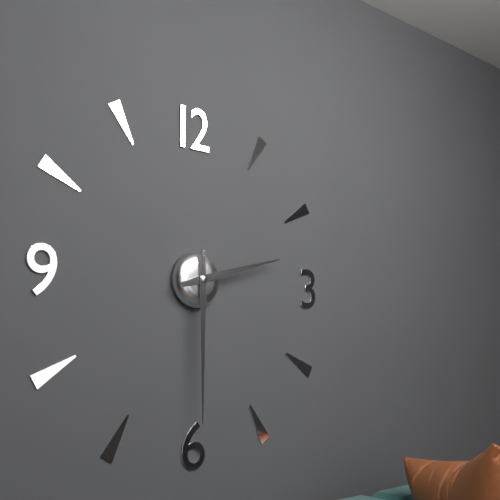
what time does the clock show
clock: 2:30
